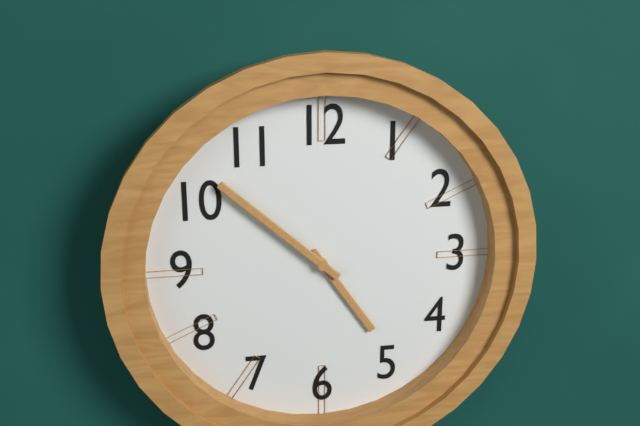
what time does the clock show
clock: 4:52
